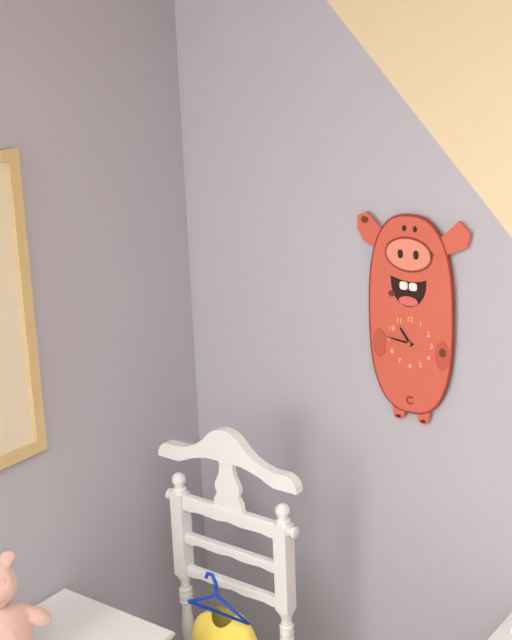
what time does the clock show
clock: 10:46
